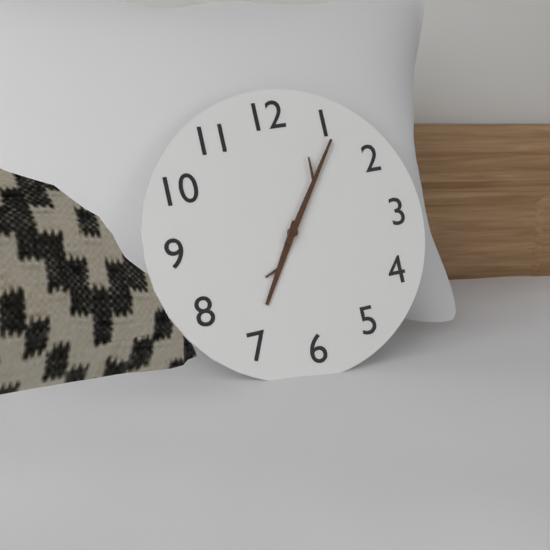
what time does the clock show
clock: 7:06
